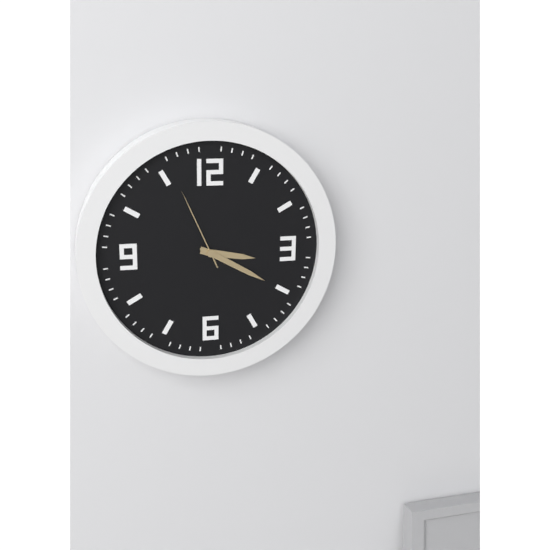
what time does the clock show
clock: 3:20:56
